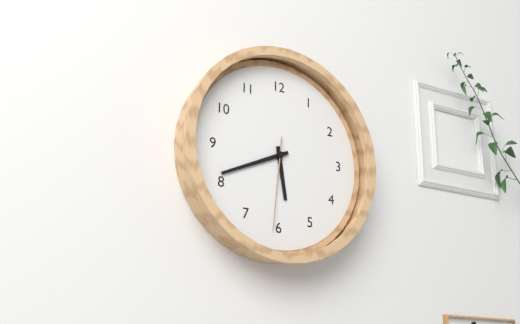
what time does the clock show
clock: 5:41:31
